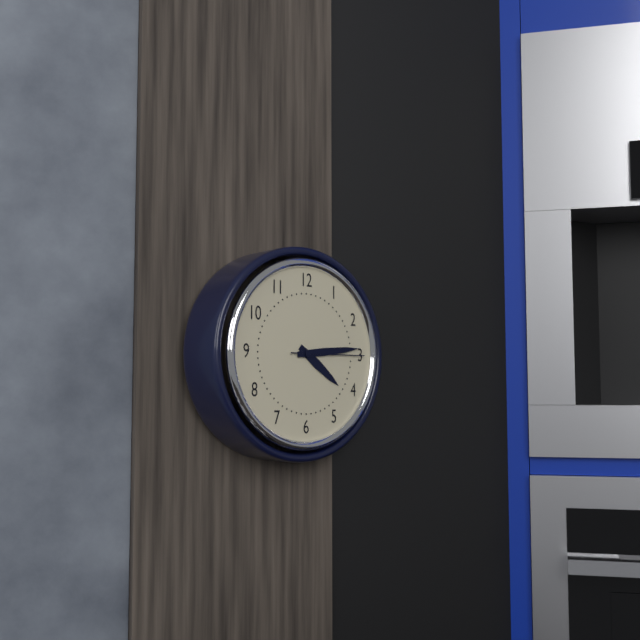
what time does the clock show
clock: 4:14:15
